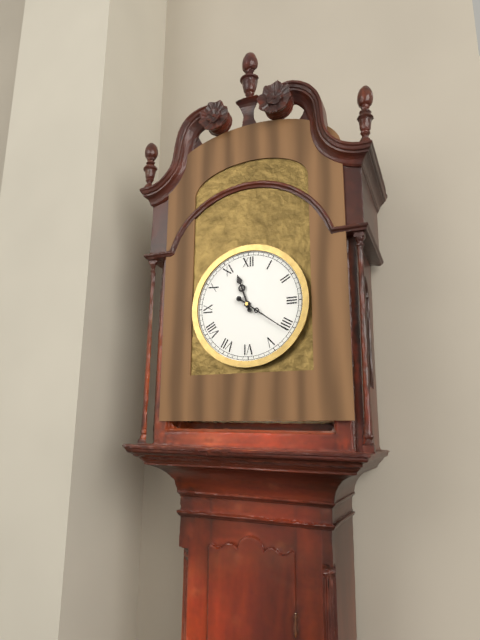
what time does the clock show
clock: 11:21
